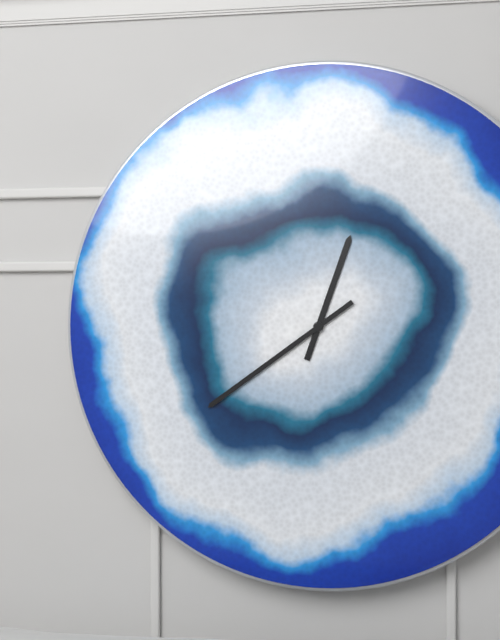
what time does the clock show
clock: 12:39
